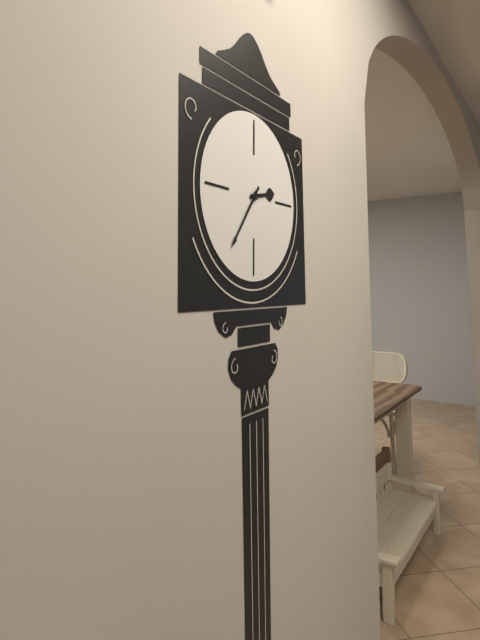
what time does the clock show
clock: 2:36
